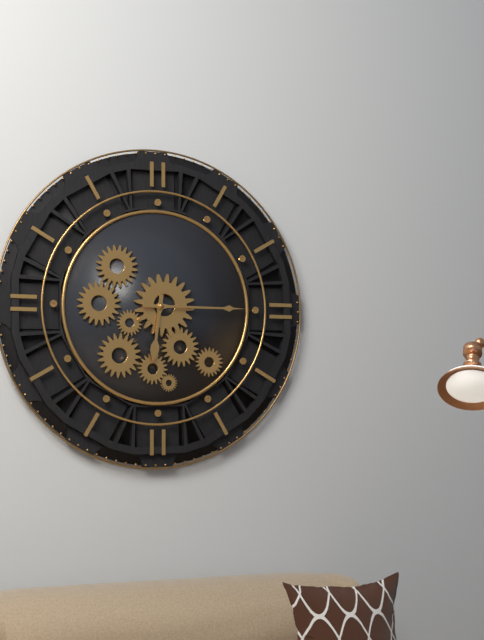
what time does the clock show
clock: 6:15
